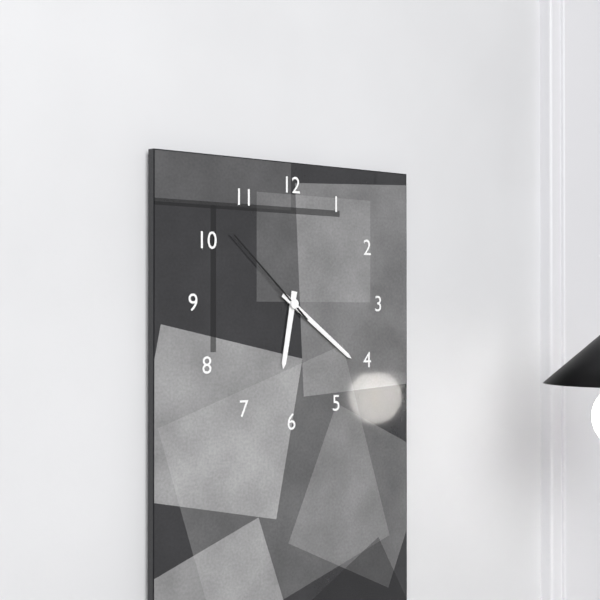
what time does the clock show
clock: 6:21:52
